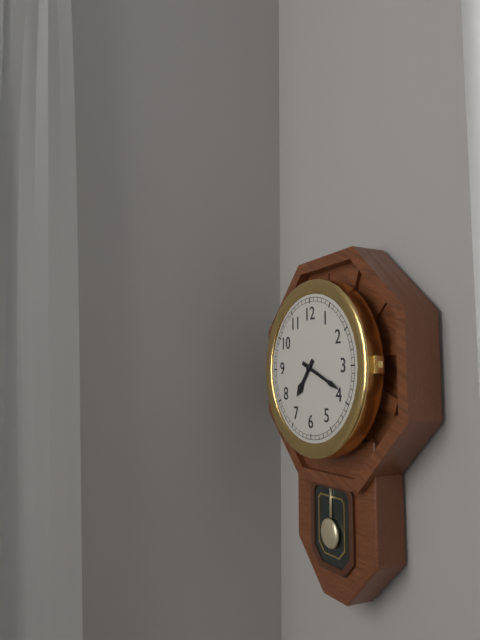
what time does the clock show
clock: 7:19
